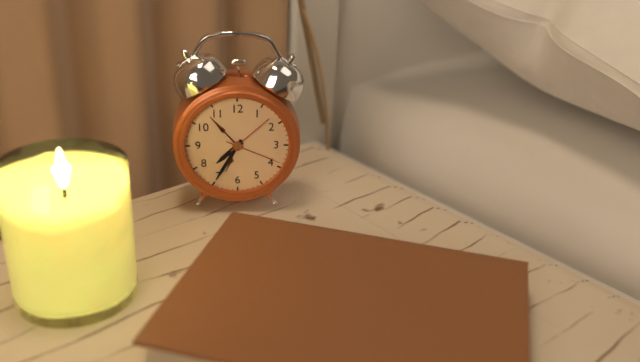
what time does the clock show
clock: 7:35:19
